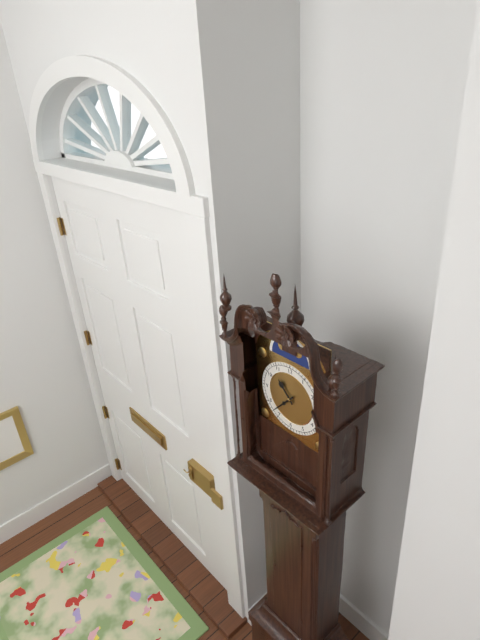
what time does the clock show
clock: 10:37
